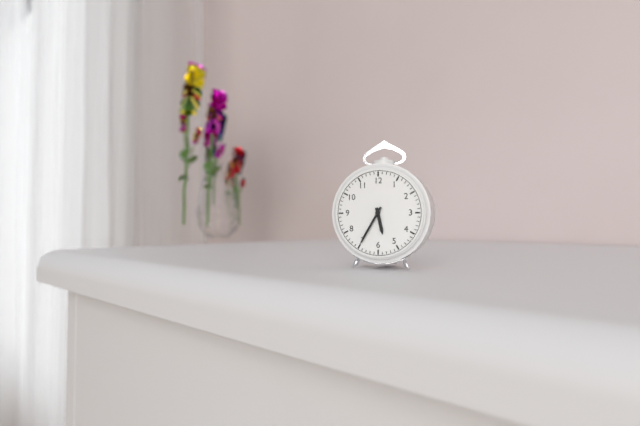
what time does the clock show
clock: 5:35
